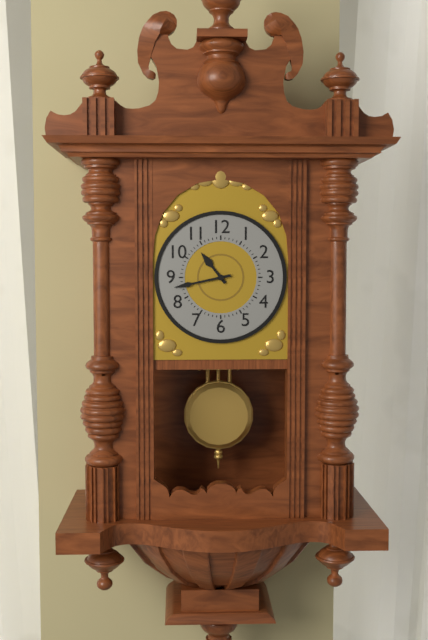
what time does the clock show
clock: 10:43
